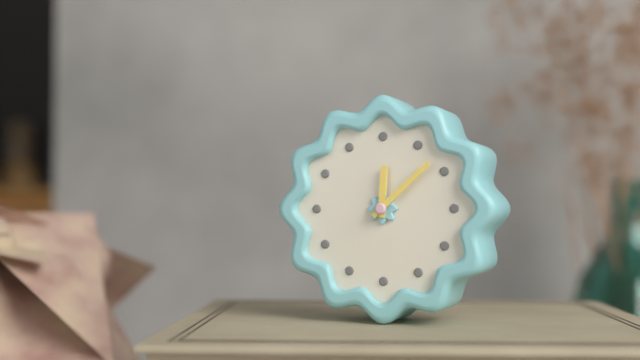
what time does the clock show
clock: 12:08
